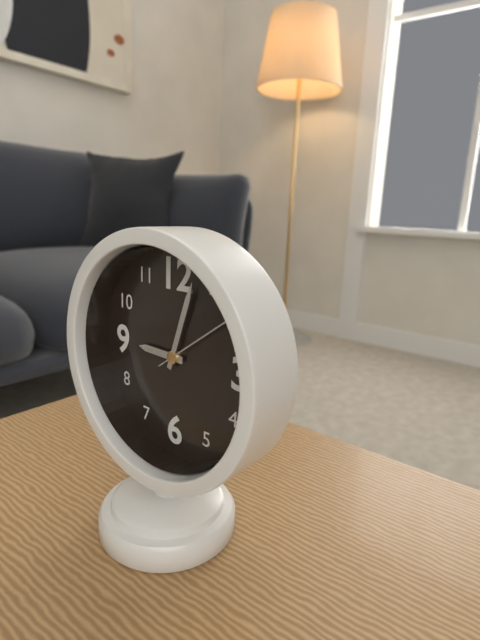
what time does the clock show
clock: 9:03:09
